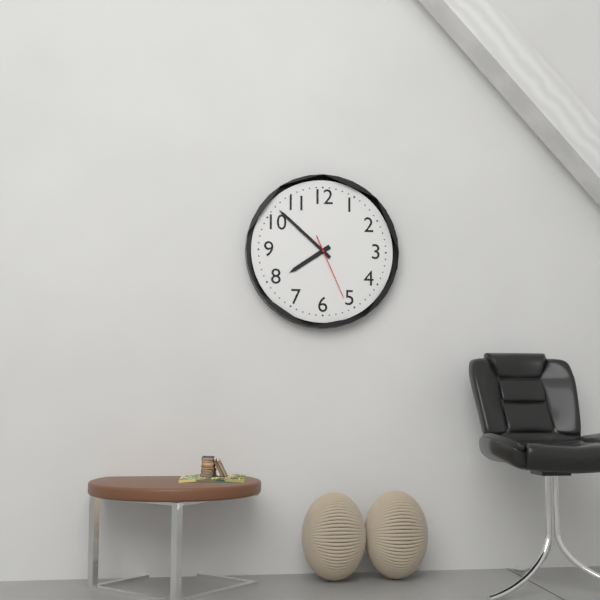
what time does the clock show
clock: 7:52:26
